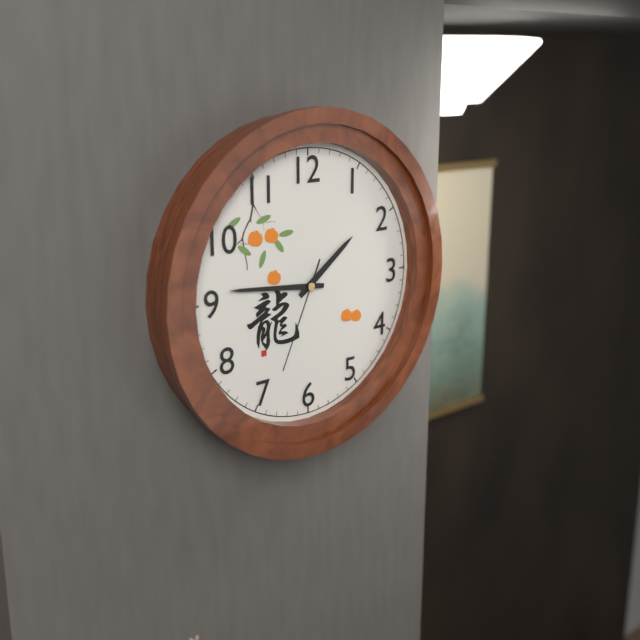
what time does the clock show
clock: 1:46:34
